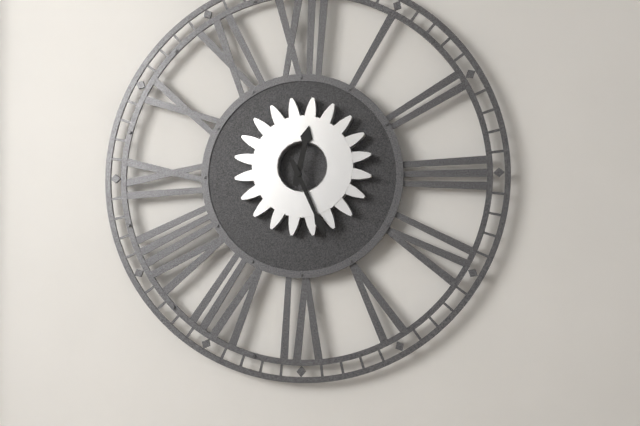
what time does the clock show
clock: 12:26
